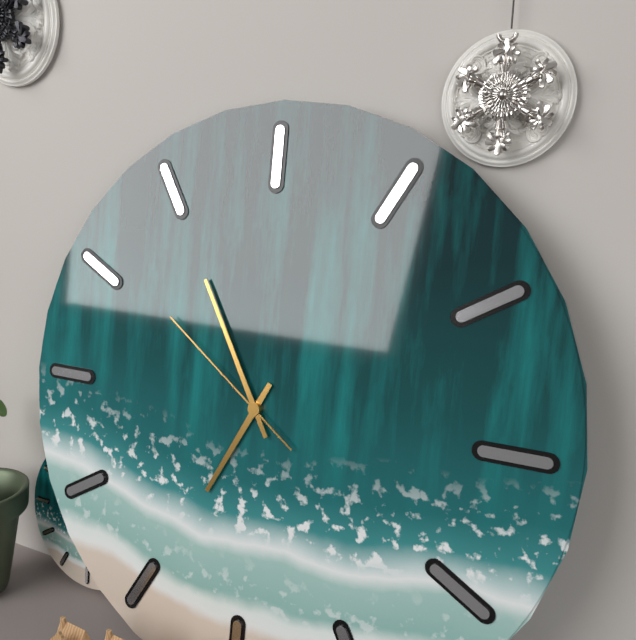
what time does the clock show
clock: 6:55:51
